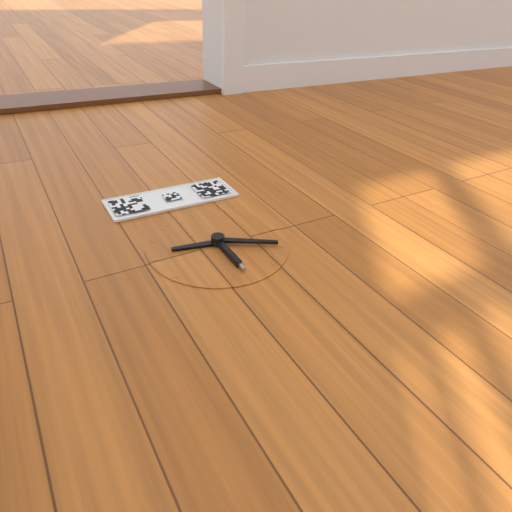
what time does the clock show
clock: 9:20
